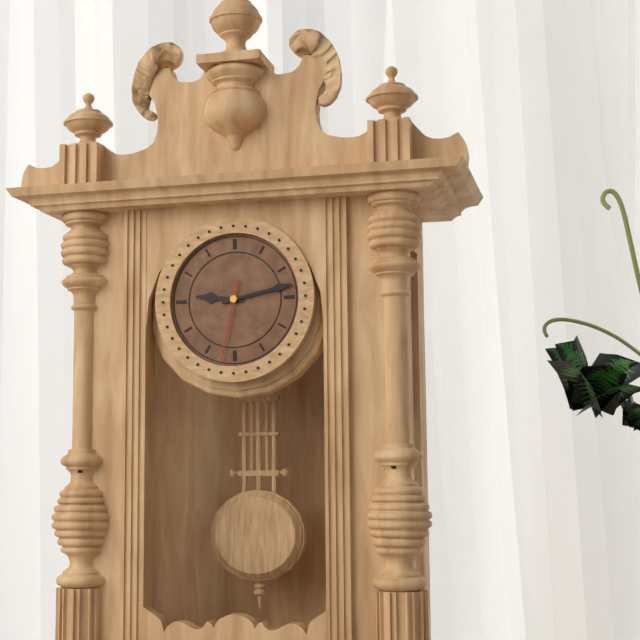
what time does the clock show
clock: 9:13:32
